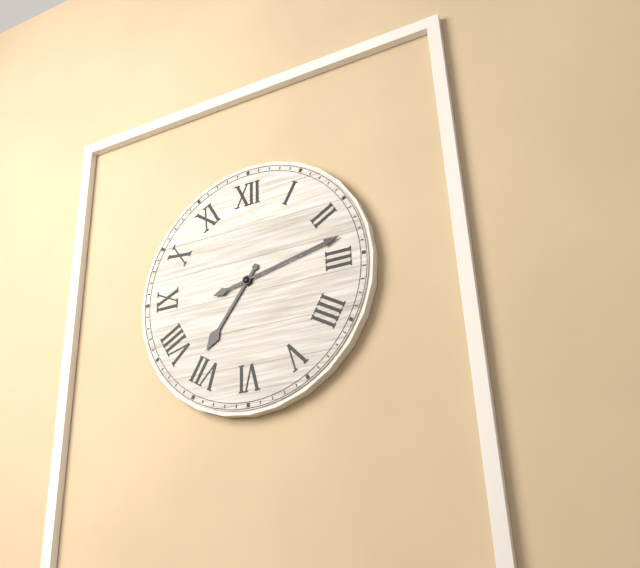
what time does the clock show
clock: 7:13
